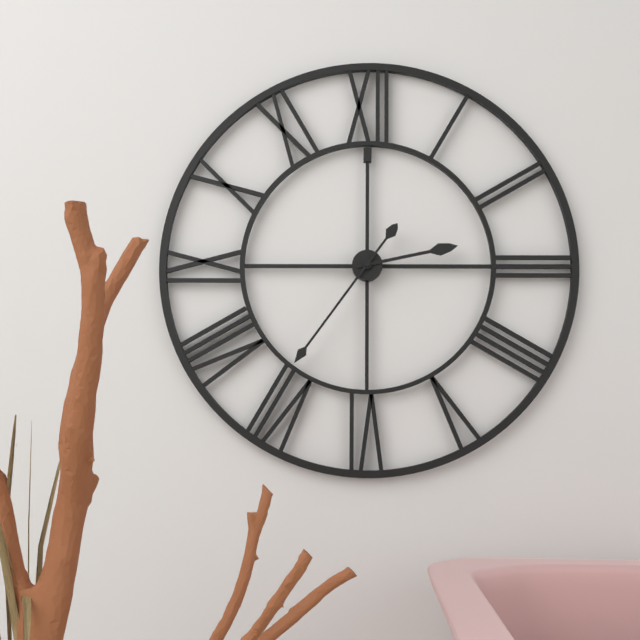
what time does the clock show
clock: 2:36
